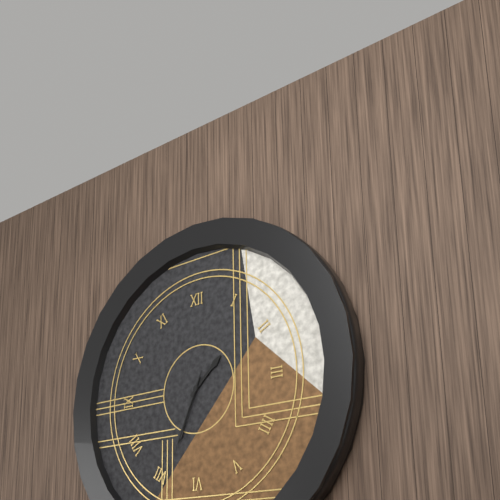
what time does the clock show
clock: 1:34:34
